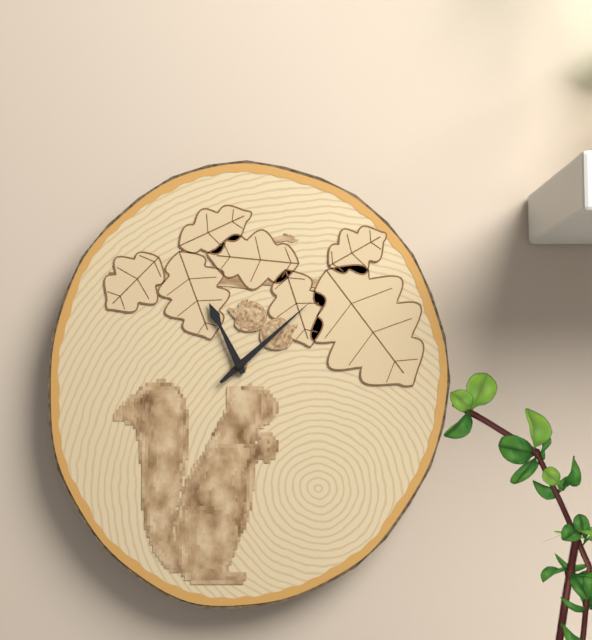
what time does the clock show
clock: 11:08
